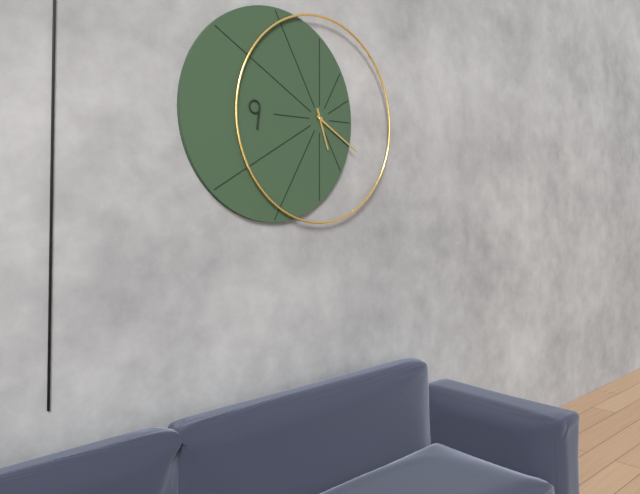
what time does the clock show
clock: 5:20
